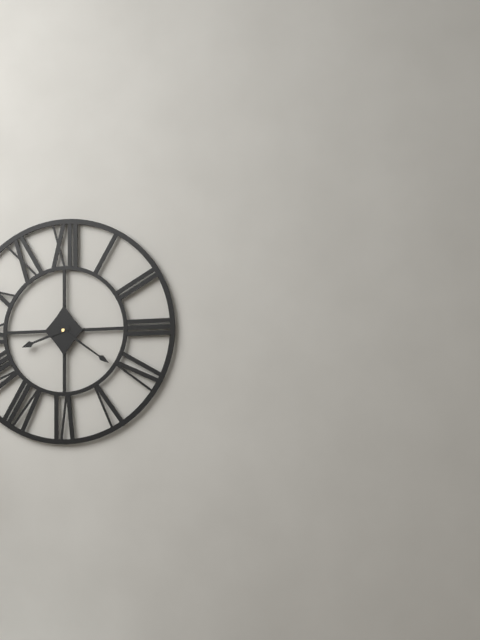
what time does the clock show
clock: 8:21
